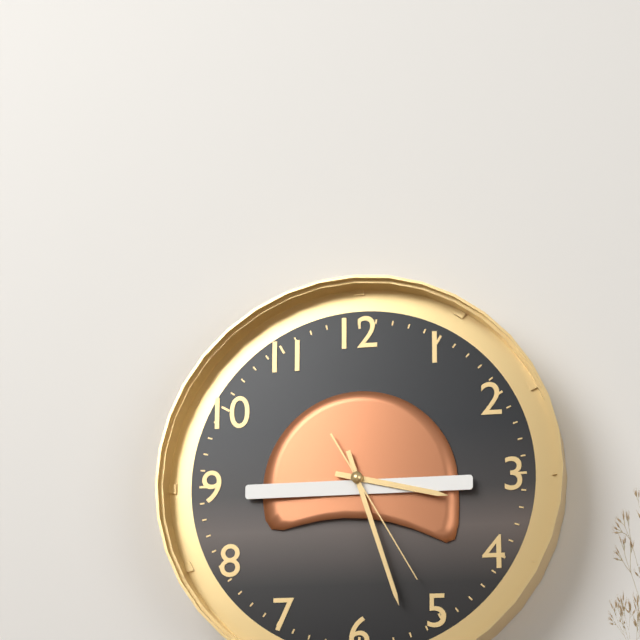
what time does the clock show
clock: 3:27:25
